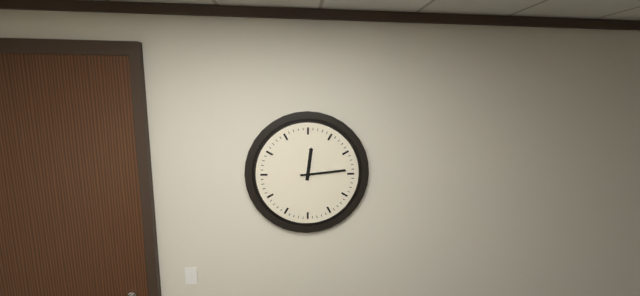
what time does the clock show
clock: 12:14
